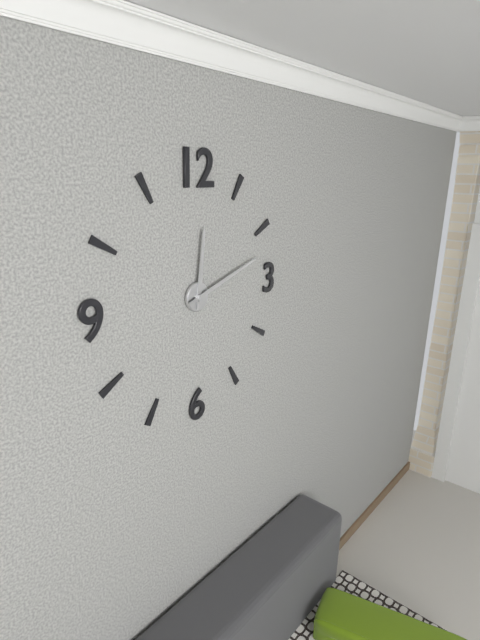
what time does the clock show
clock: 12:12
